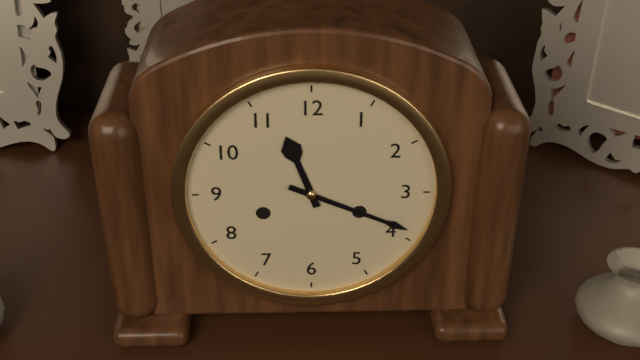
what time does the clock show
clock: 11:19
